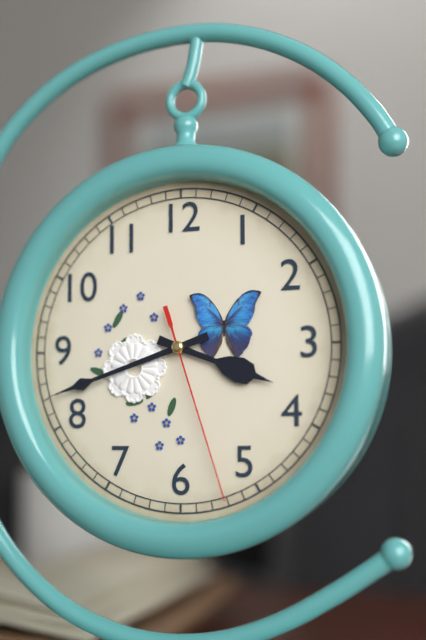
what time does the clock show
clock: 3:42:27
